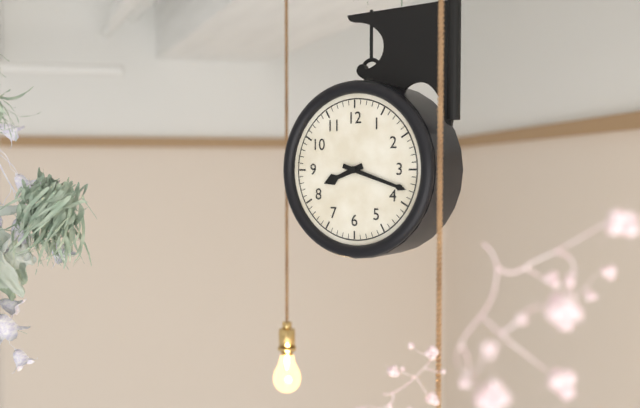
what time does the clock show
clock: 8:18
